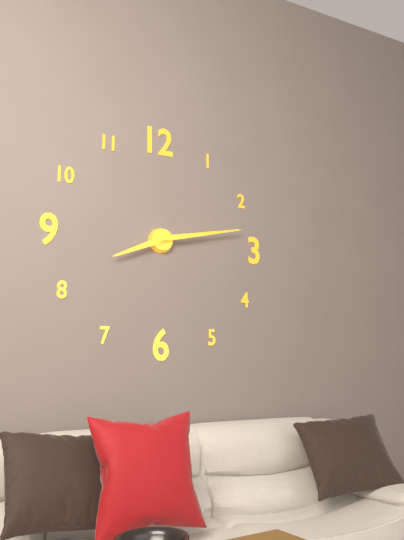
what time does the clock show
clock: 8:13
